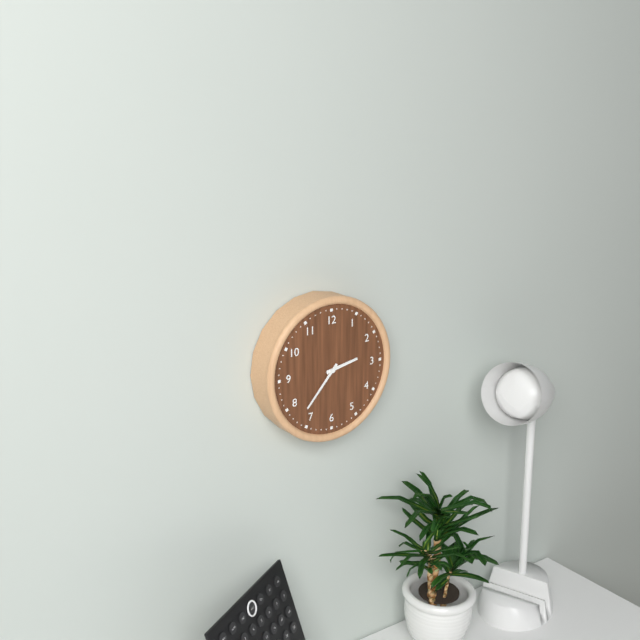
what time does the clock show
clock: 2:37
